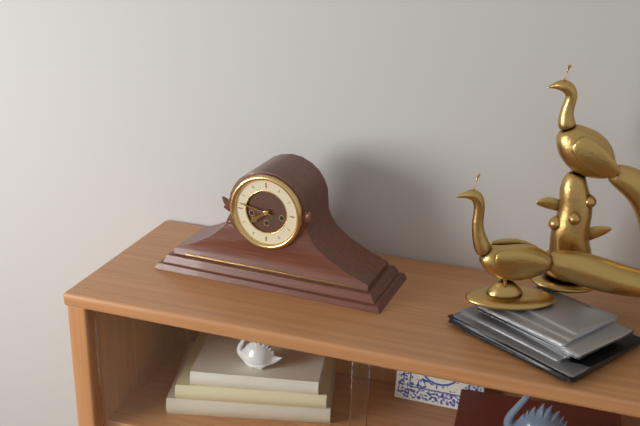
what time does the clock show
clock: 7:47
